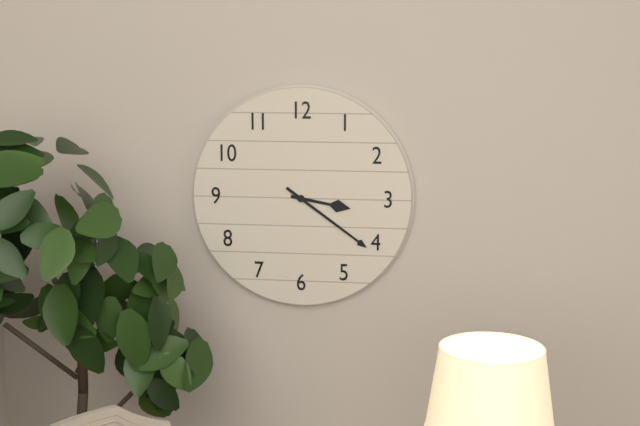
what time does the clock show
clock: 3:21
